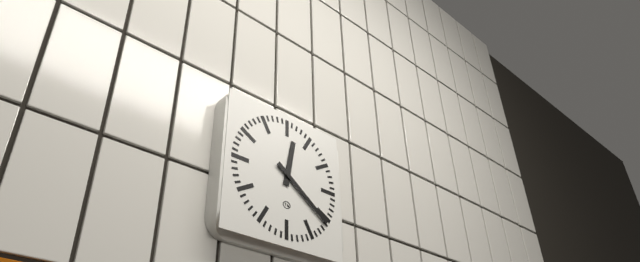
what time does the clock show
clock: 12:21
